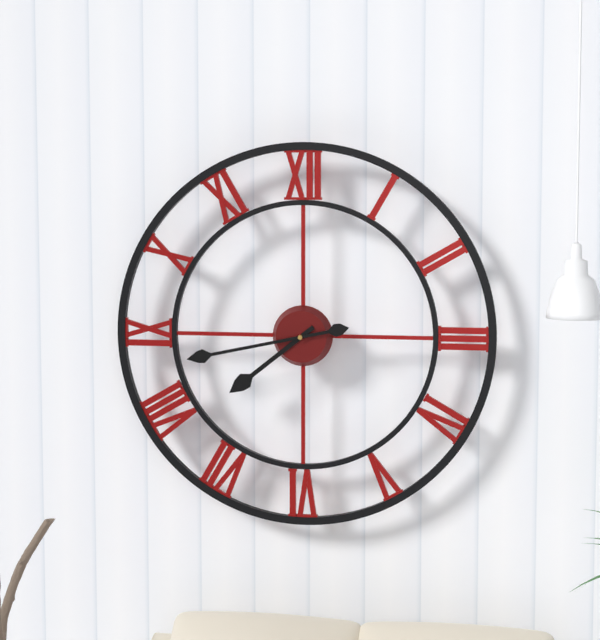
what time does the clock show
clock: 7:43
